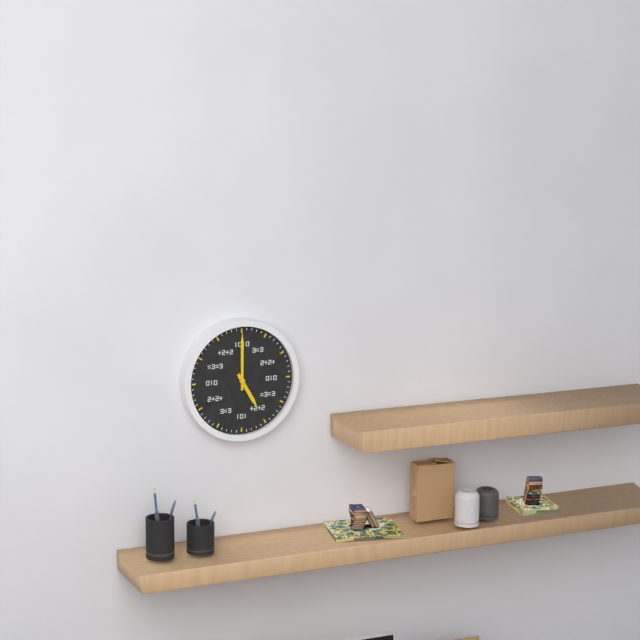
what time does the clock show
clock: 5:00
